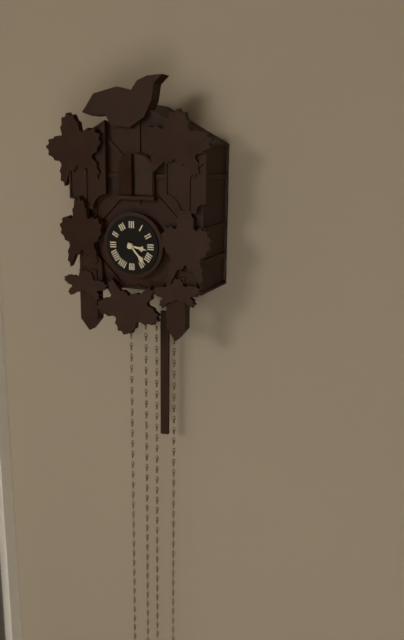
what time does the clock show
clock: 3:23
